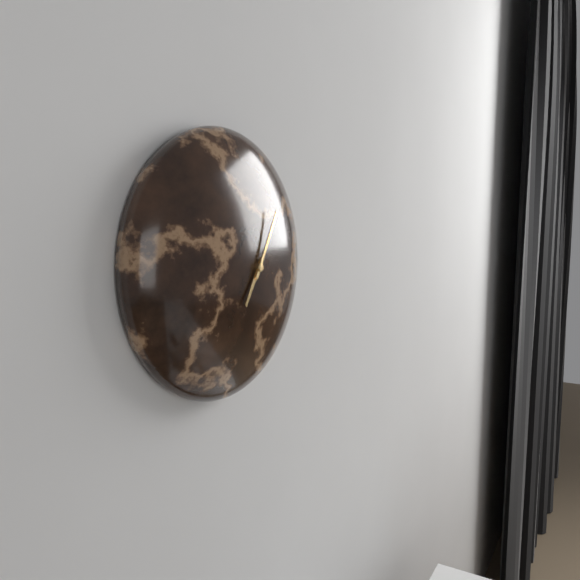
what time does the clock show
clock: 7:05
